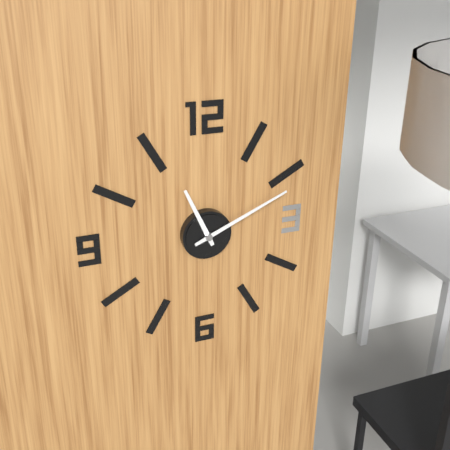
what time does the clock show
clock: 11:11
